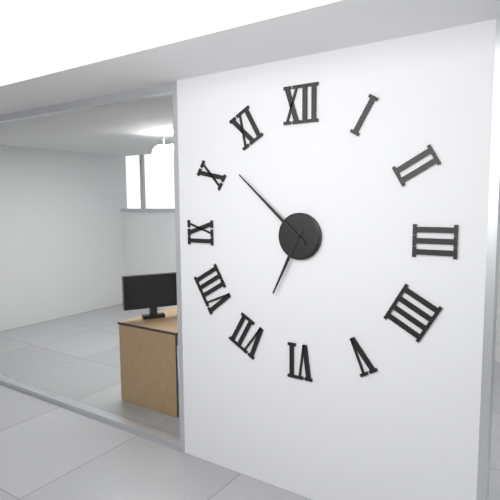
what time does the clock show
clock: 6:52
